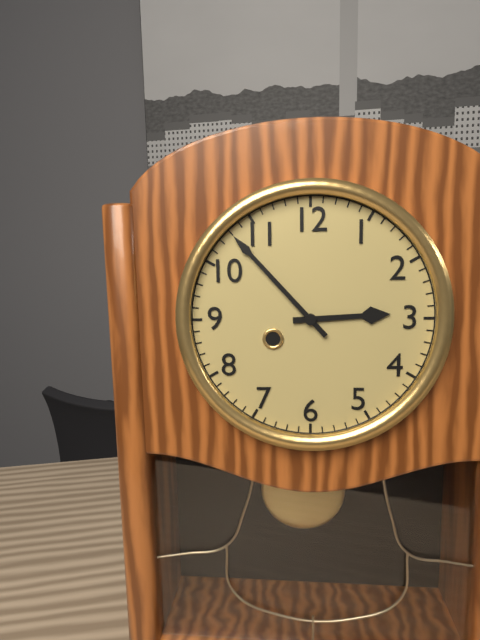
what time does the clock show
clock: 2:53
